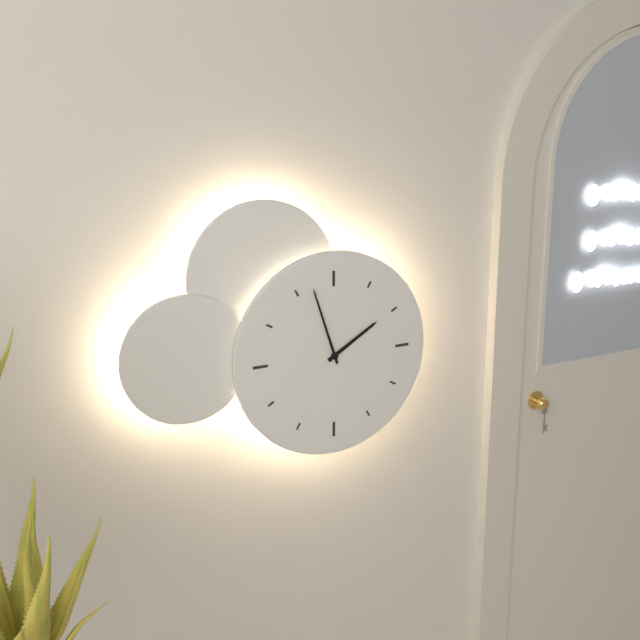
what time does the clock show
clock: 1:57
